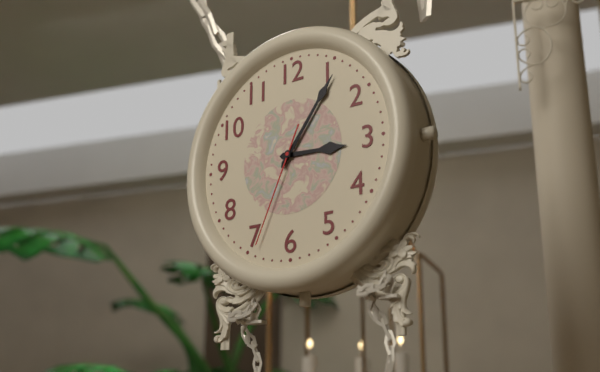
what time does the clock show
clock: 3:06:34
